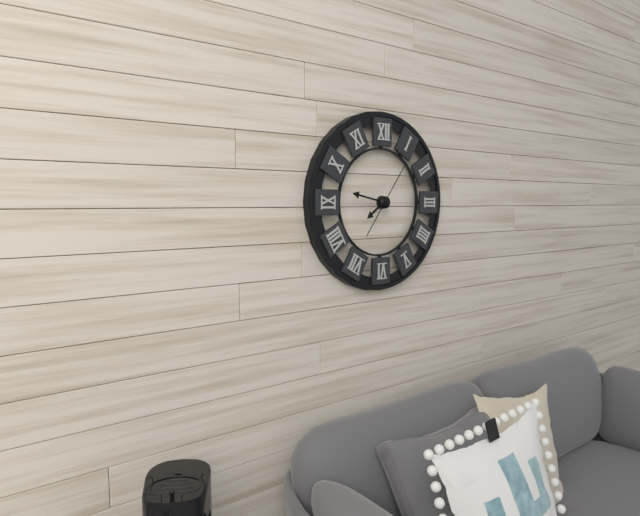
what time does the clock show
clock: 7:47:06
